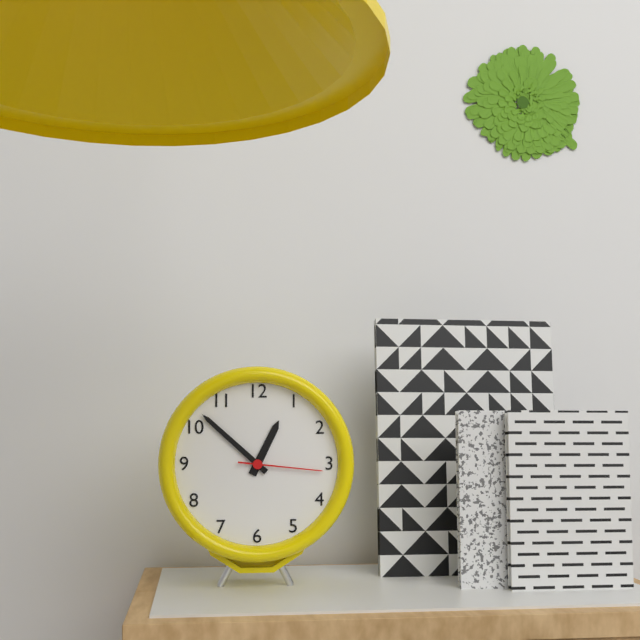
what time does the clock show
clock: 12:52:16
